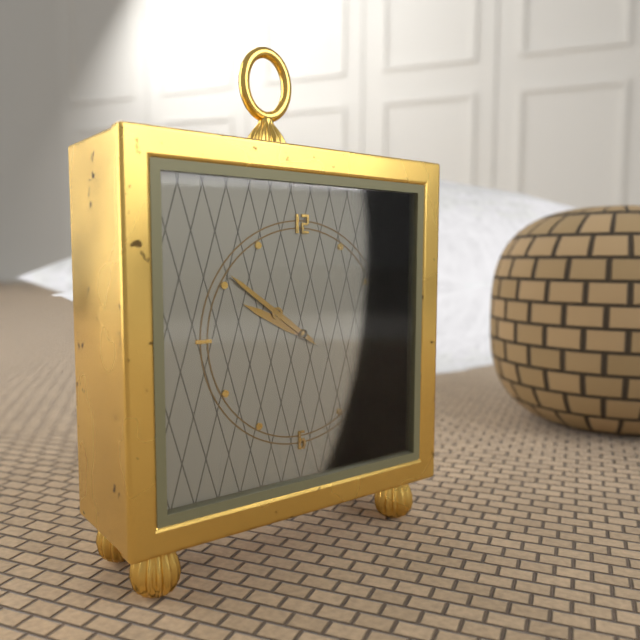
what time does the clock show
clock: 9:51
